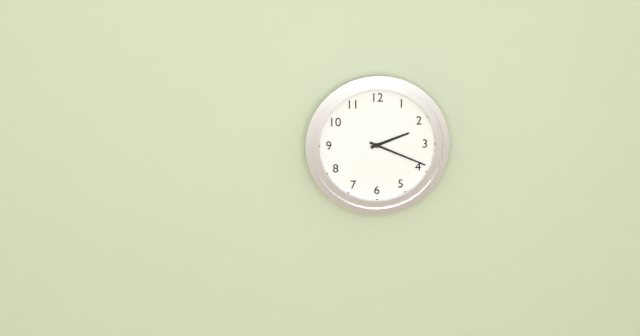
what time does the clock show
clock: 2:19
